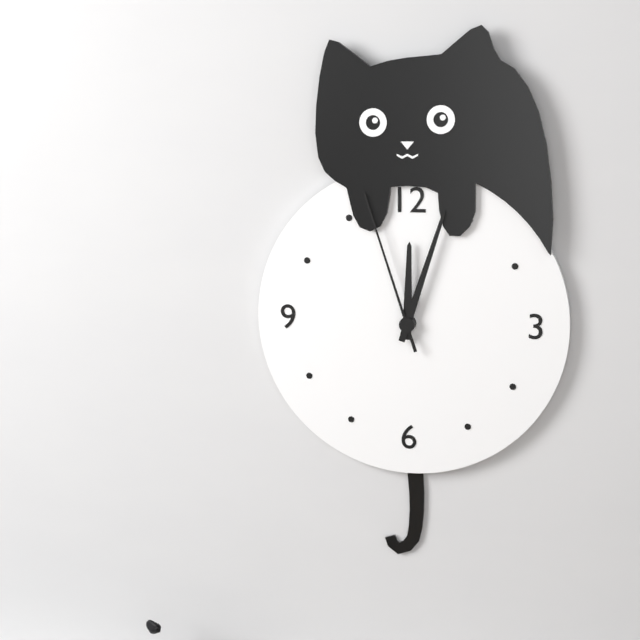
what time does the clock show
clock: 12:03:57
